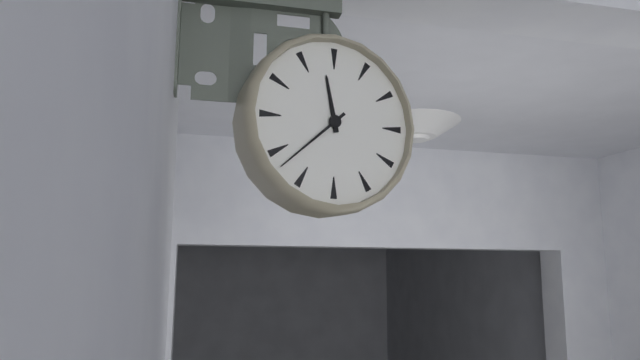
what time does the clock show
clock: 11:38
